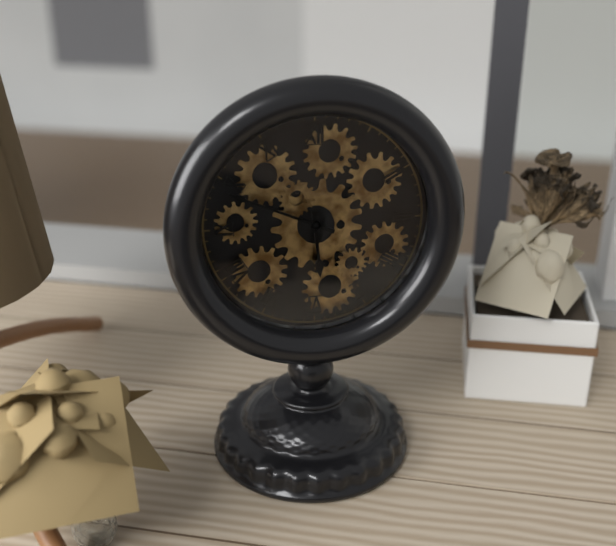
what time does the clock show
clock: 5:49
